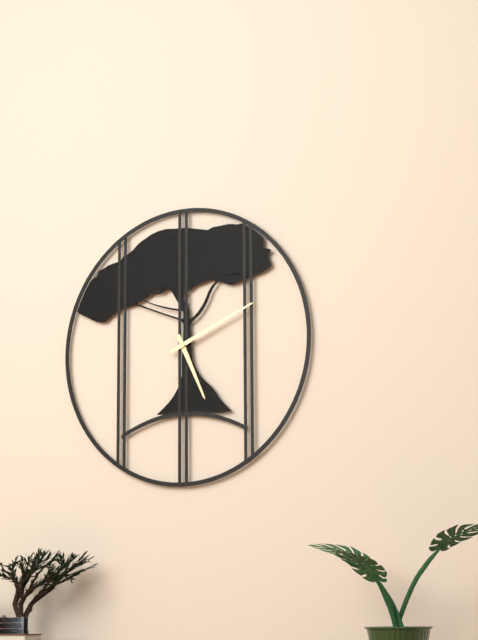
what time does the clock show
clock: 5:11
